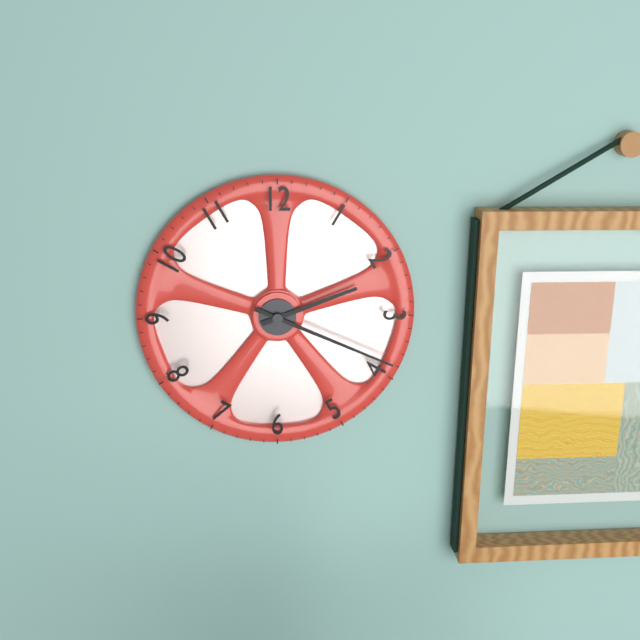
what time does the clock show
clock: 2:19
